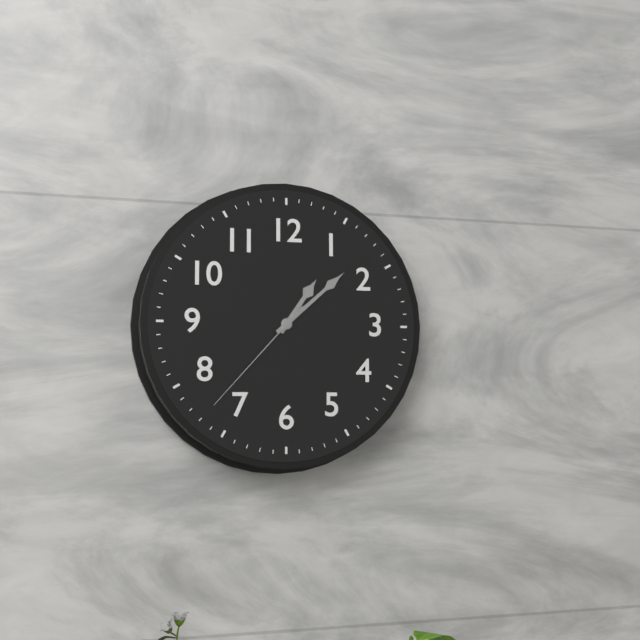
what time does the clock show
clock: 1:08:37
